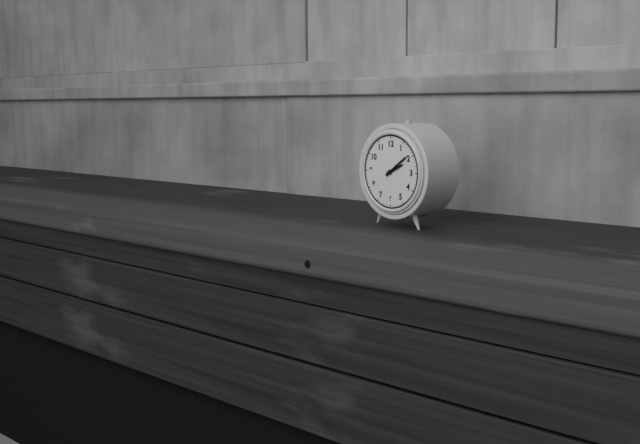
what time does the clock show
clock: 2:09
